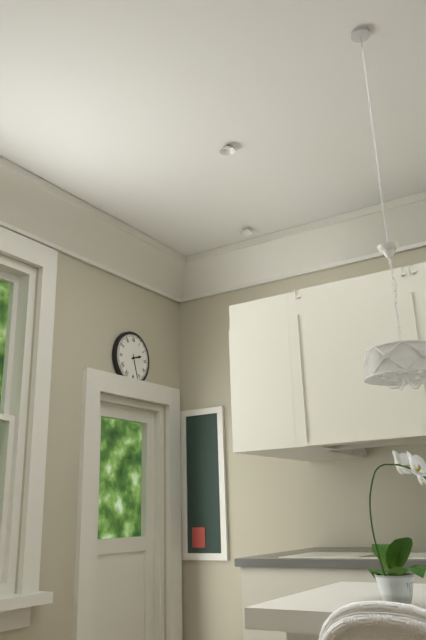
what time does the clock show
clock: 2:27
